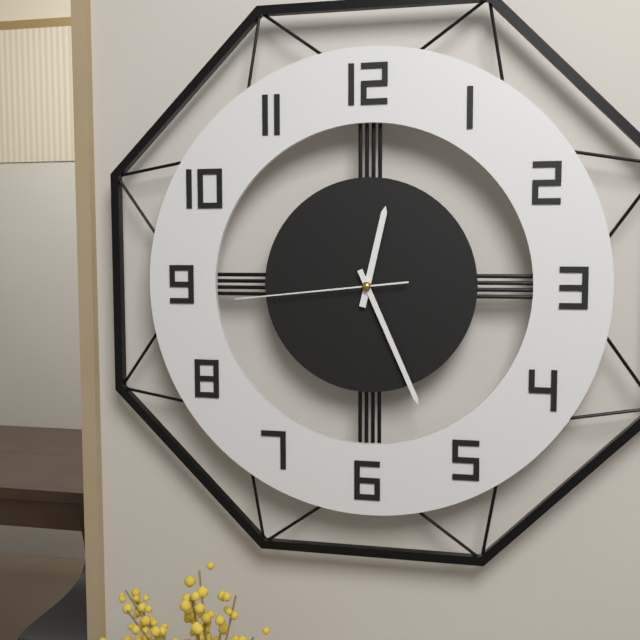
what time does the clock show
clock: 12:26:44
